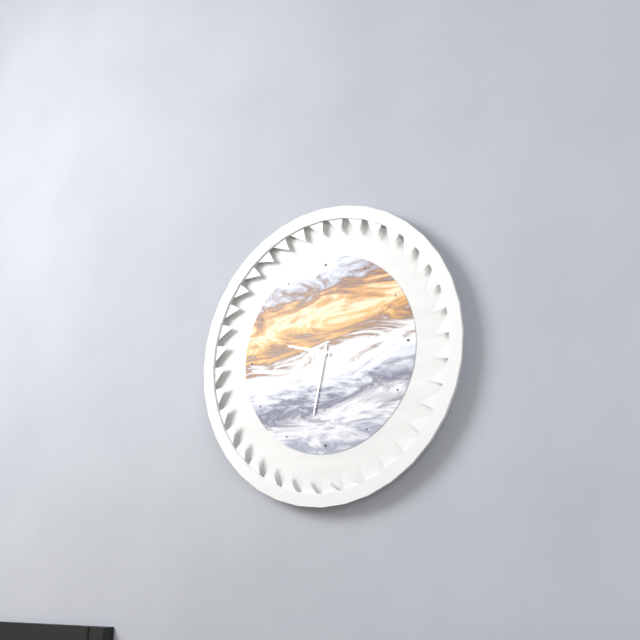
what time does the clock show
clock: 9:32
